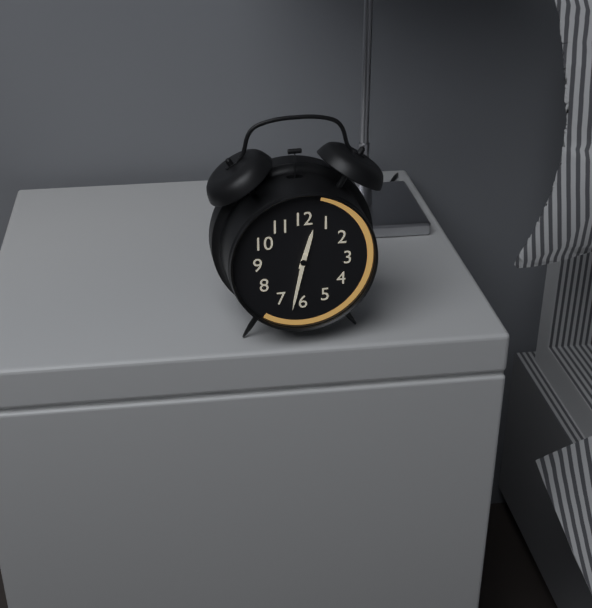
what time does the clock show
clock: 12:32
